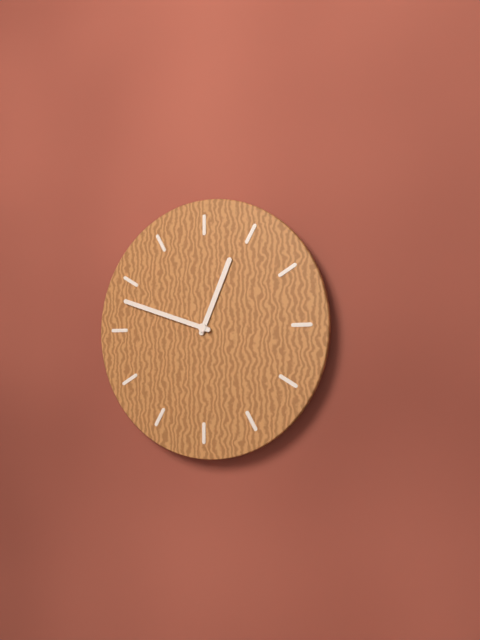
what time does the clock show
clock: 12:48
